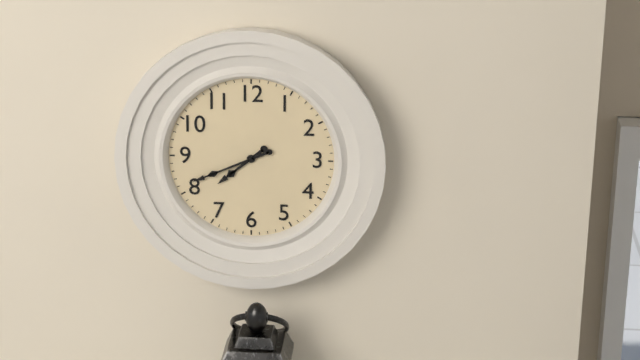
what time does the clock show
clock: 7:41
